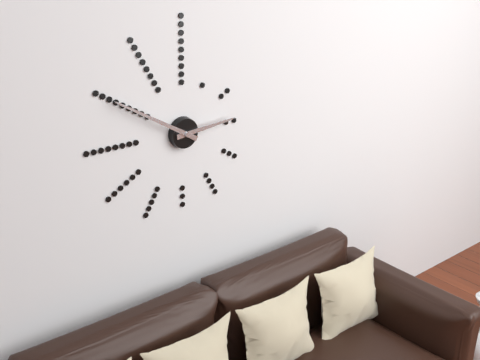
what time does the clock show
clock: 2:50
